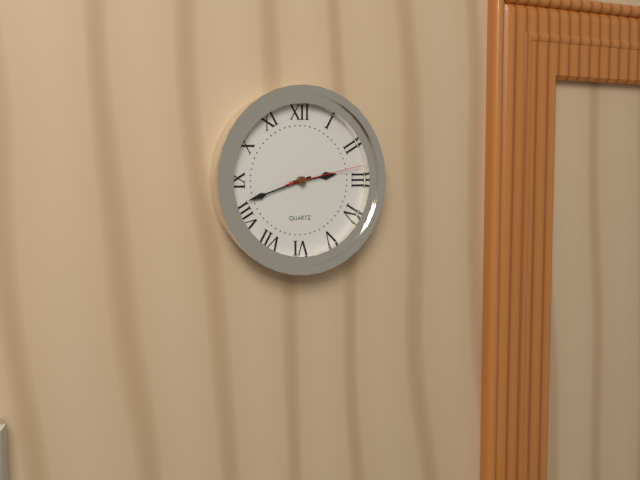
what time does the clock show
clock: 2:42:13
